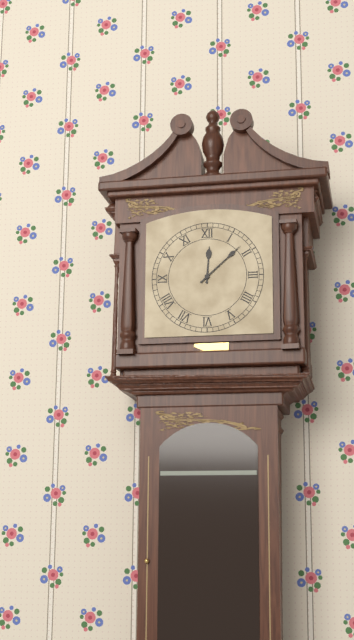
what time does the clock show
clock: 12:08
